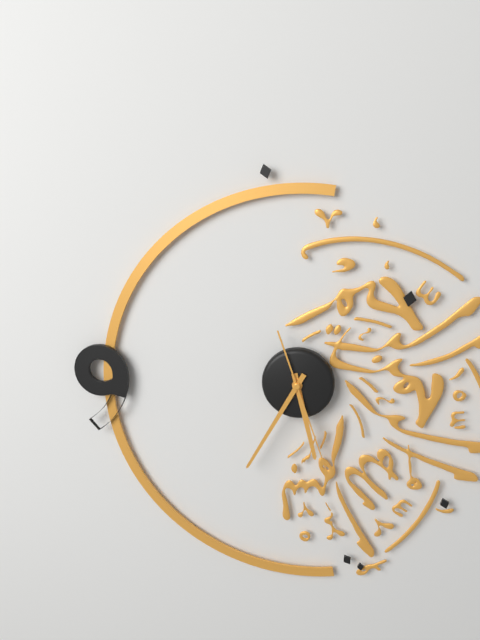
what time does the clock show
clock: 5:35:27
